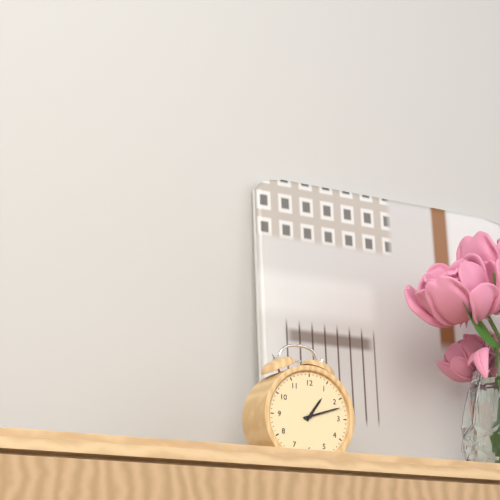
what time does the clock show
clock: 1:12
